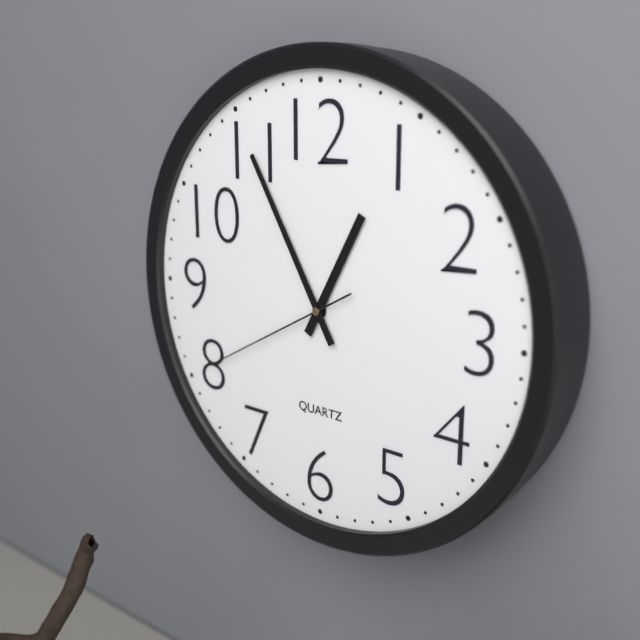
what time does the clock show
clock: 12:55:40
